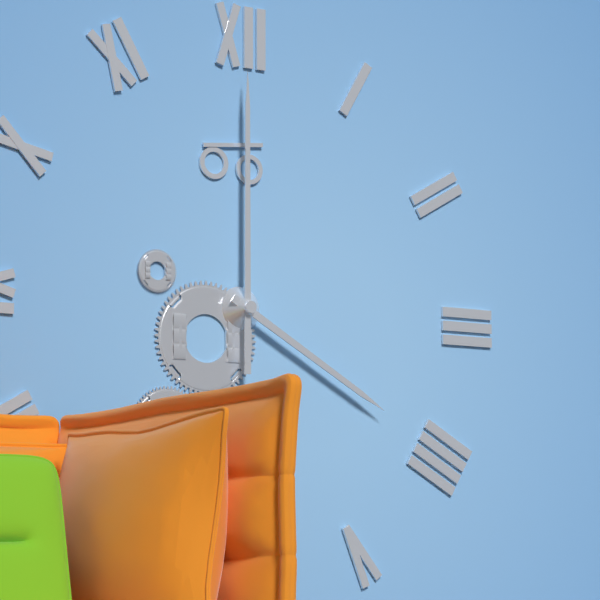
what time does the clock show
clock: 4:00
